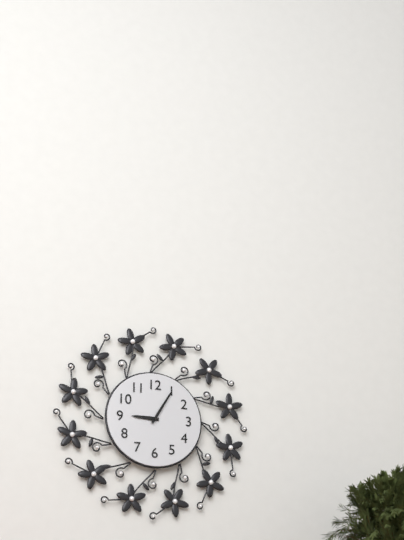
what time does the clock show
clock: 9:05
